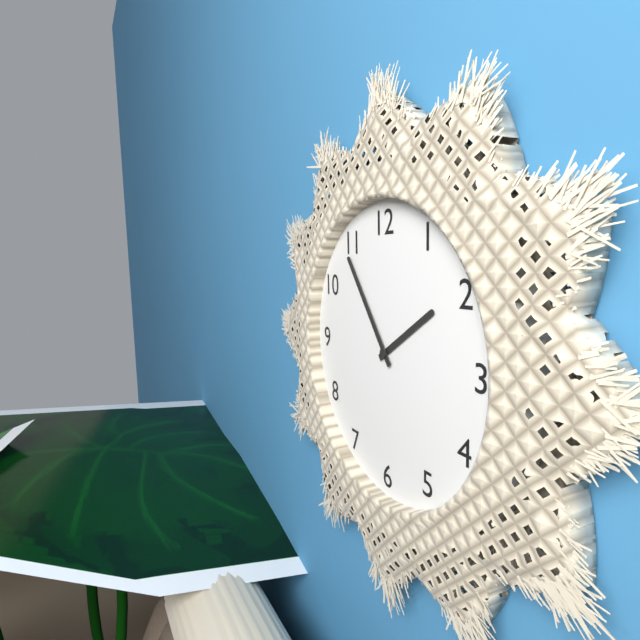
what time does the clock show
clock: 1:54
